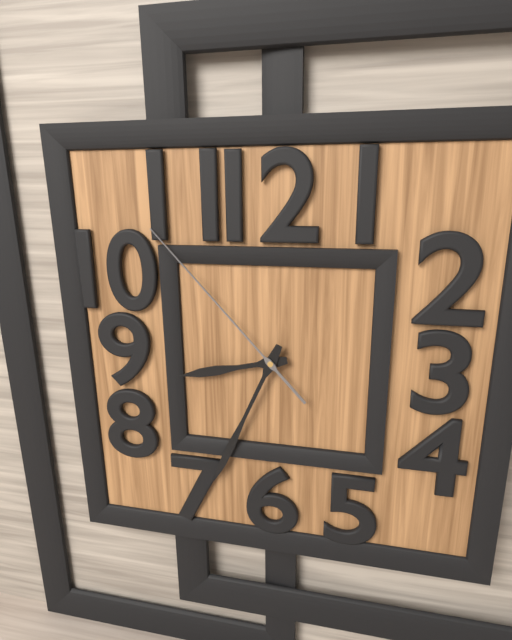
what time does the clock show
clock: 8:34:53
